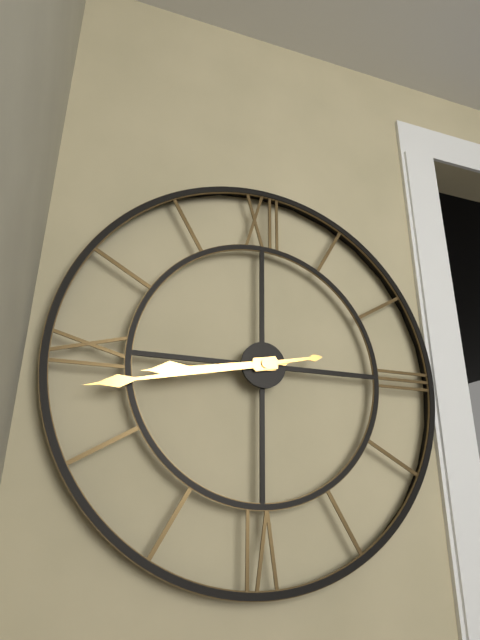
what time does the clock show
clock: 8:43
